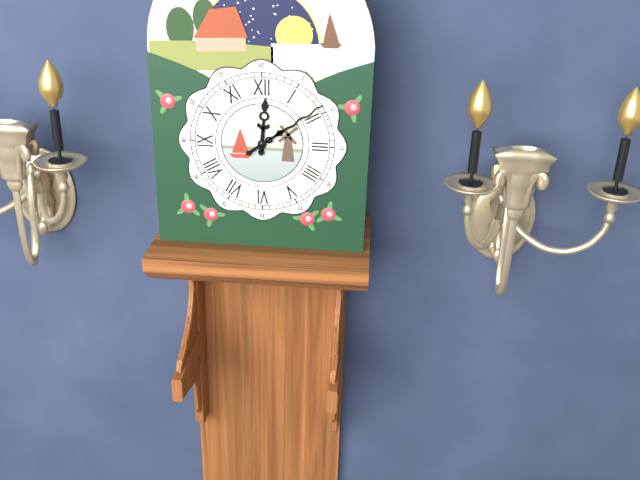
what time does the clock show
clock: 12:09
